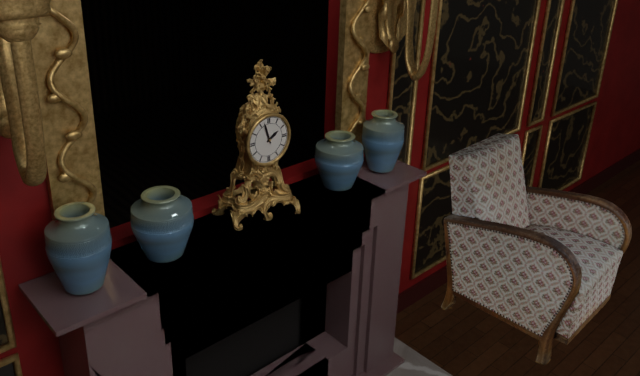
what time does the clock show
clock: 1:57
